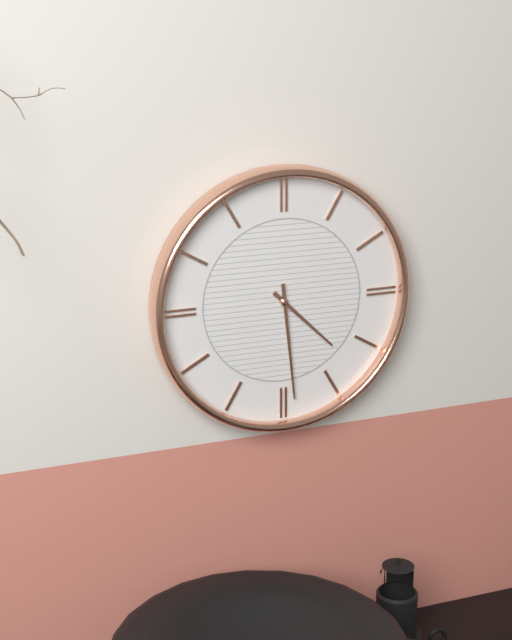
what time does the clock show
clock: 4:29
